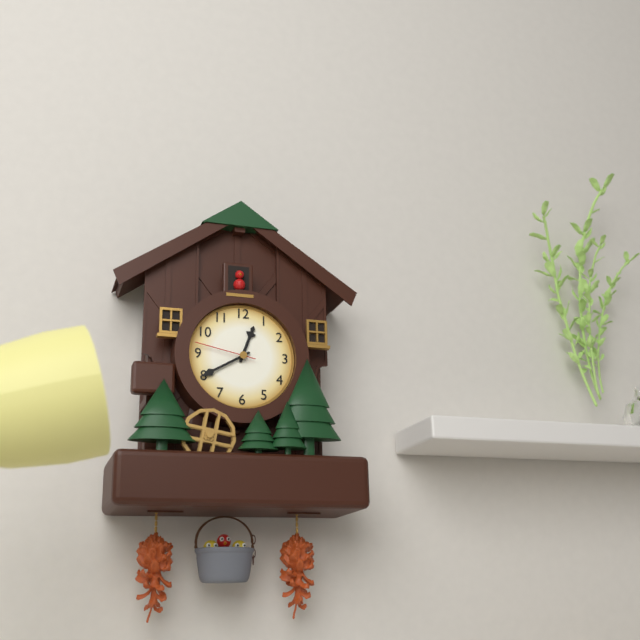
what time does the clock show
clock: 12:40:47
